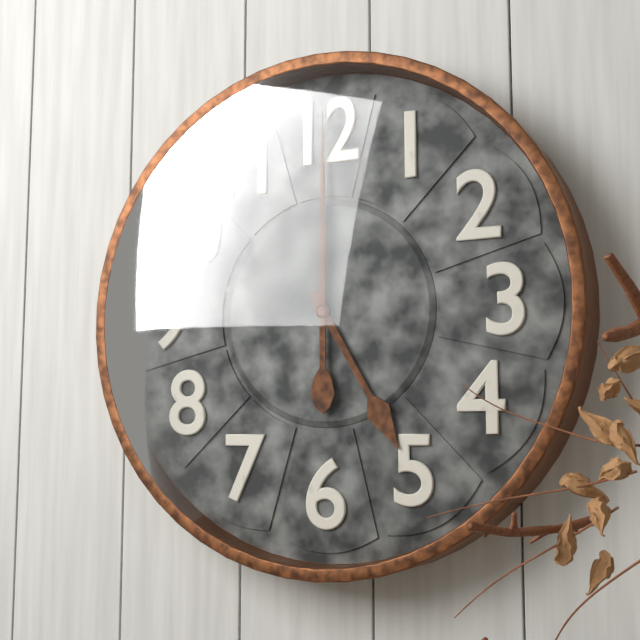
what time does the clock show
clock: 5:00
